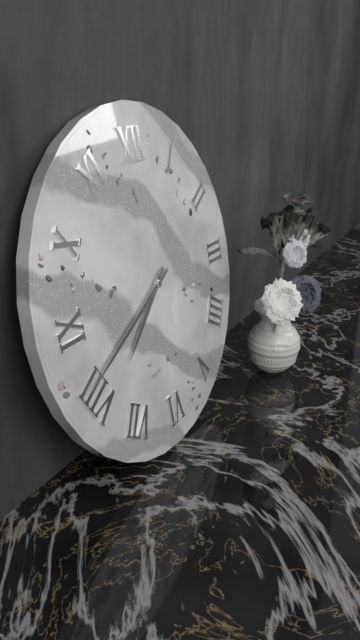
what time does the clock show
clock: 7:41
